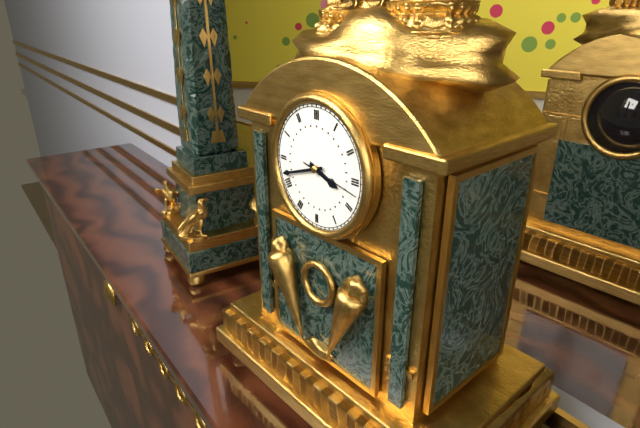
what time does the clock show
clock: 3:42:17
